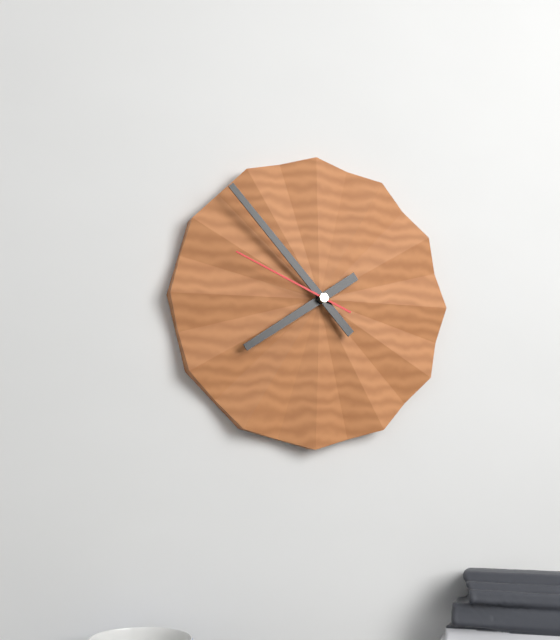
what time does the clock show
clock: 7:53:49
